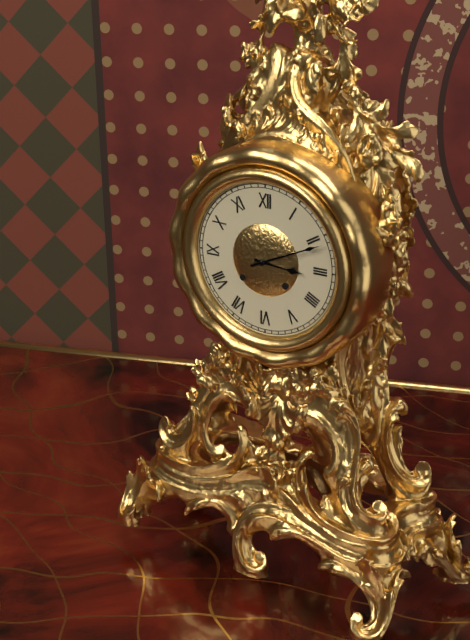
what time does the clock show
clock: 3:11
